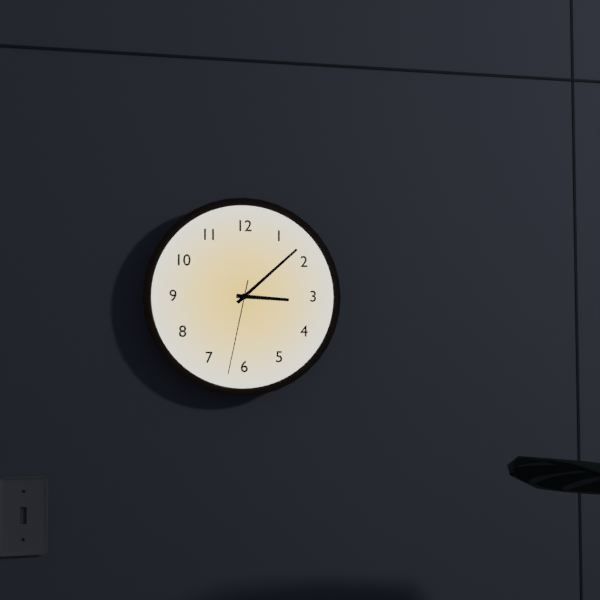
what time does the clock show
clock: 3:08:32
